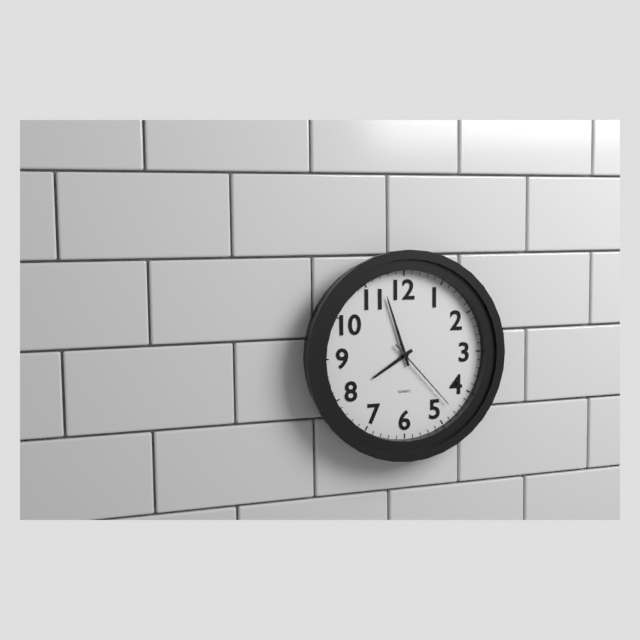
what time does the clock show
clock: 7:57:23
